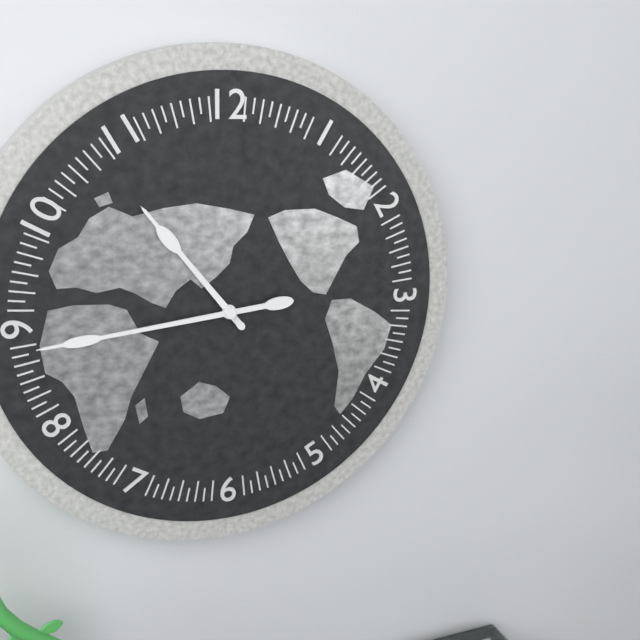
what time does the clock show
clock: 10:44
